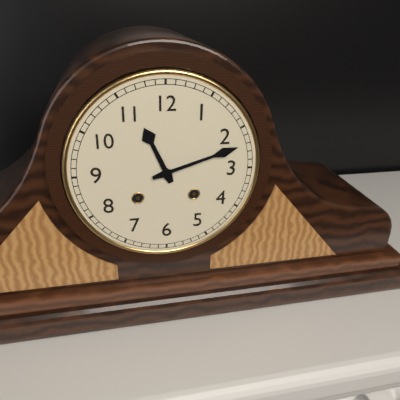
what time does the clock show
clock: 11:12
